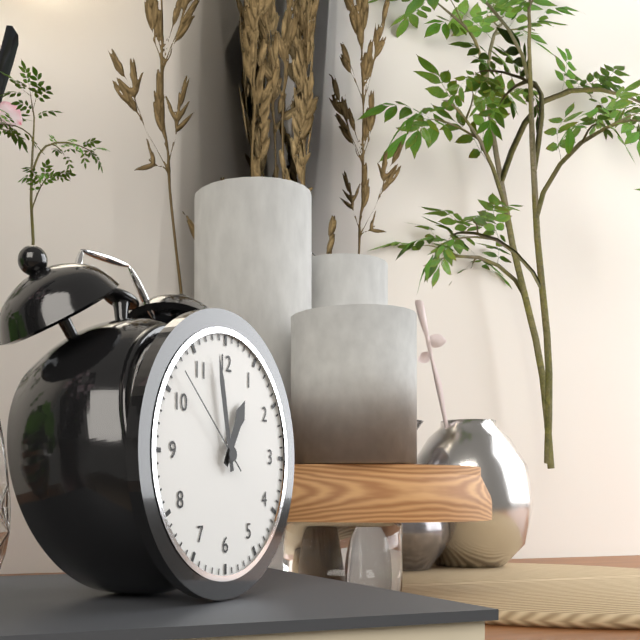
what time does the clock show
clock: 12:58:52
